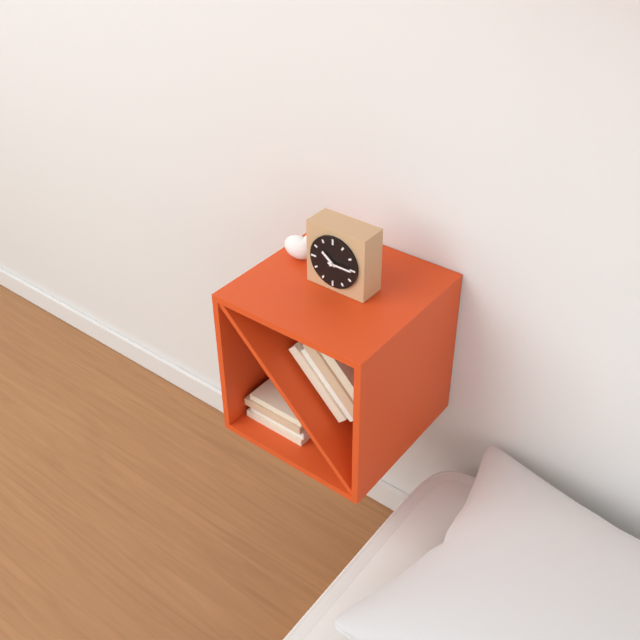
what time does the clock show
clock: 10:15
